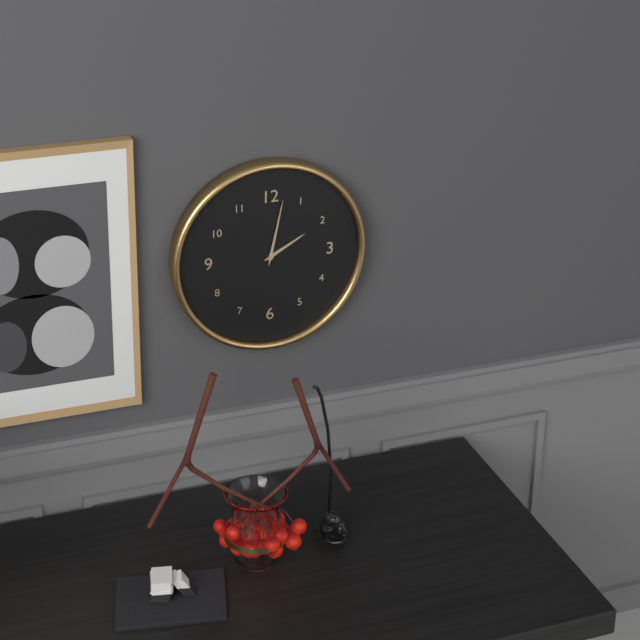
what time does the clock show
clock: 2:02
